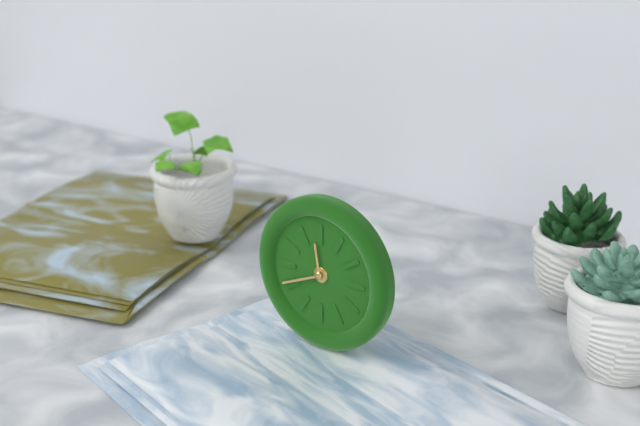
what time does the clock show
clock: 11:41
